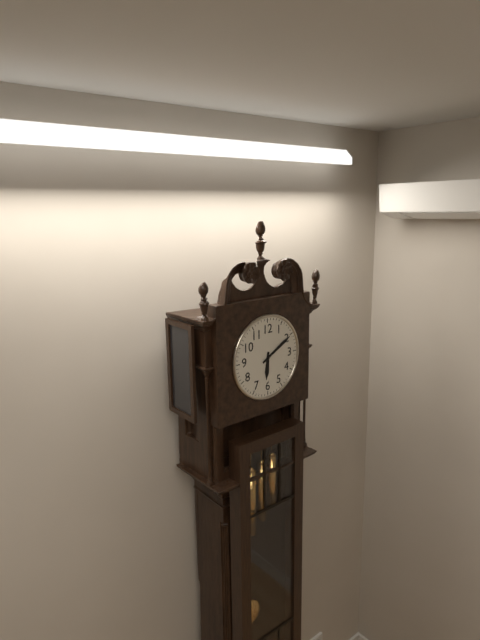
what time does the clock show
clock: 6:10
